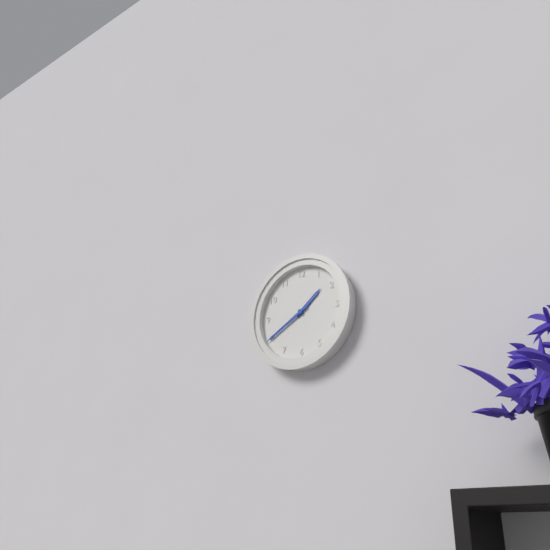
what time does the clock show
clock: 1:40
